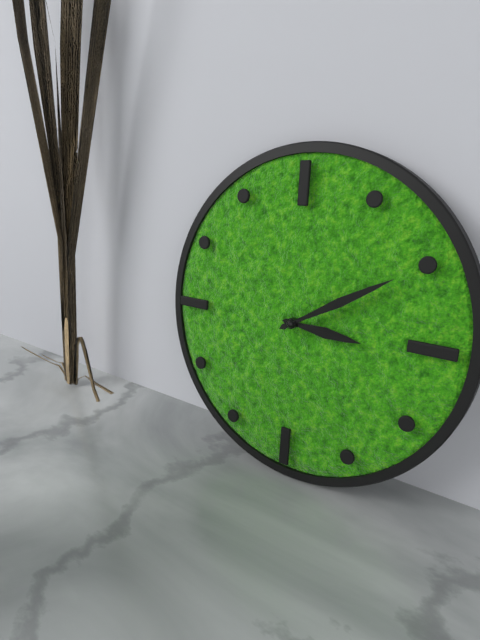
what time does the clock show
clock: 3:10
